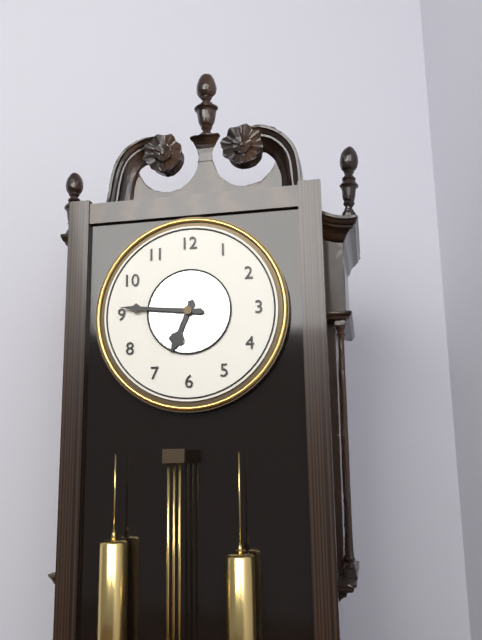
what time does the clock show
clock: 6:46
